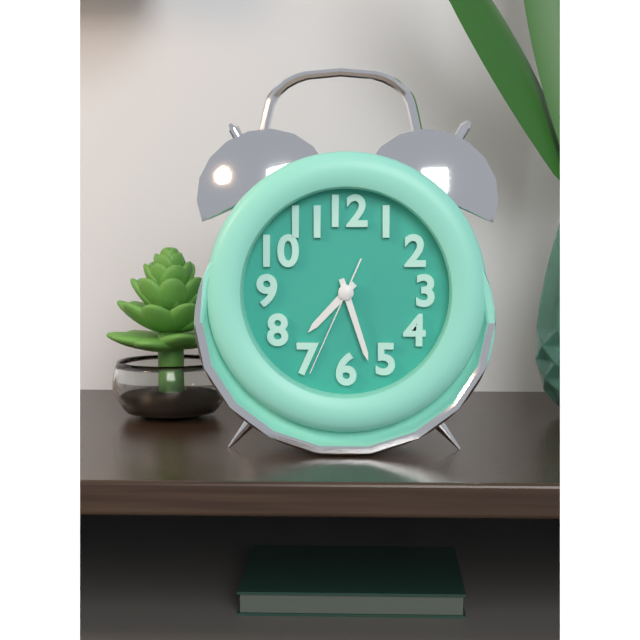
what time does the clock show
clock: 7:27:34
